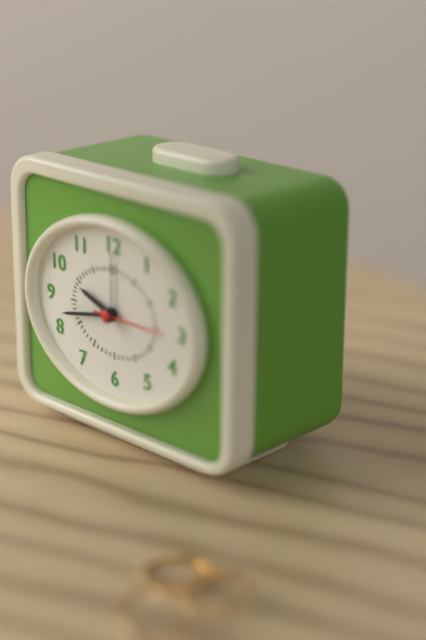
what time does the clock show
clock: 9:43:15
